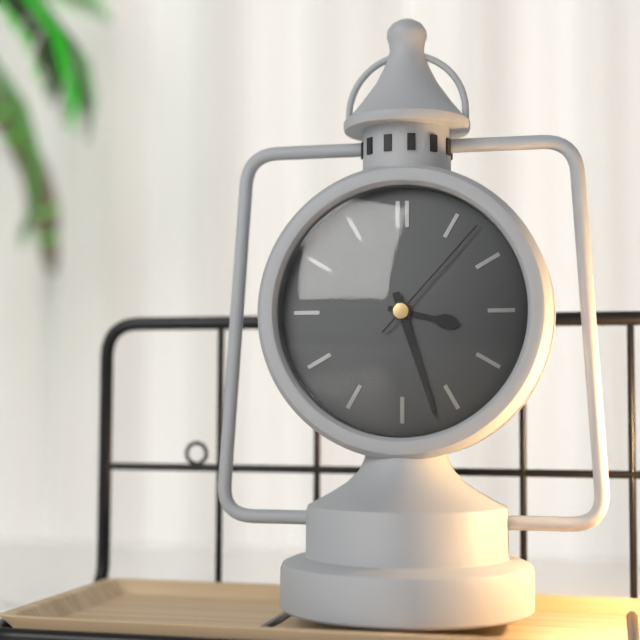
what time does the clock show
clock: 3:27:07
